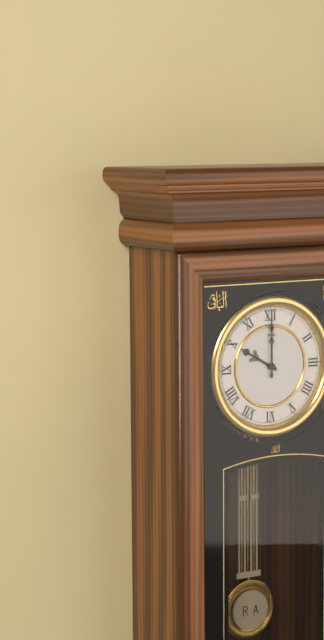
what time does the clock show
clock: 10:00
